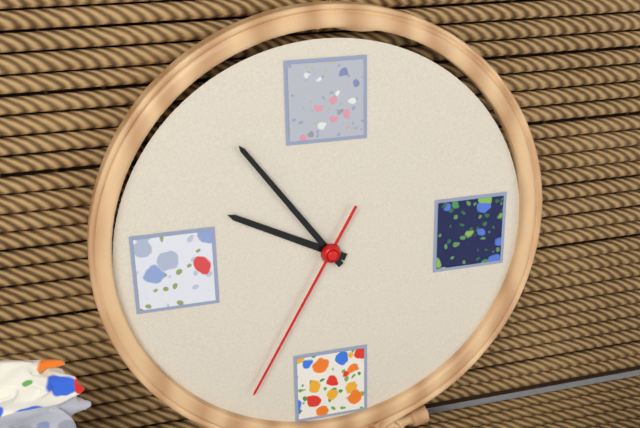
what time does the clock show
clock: 9:54:35
